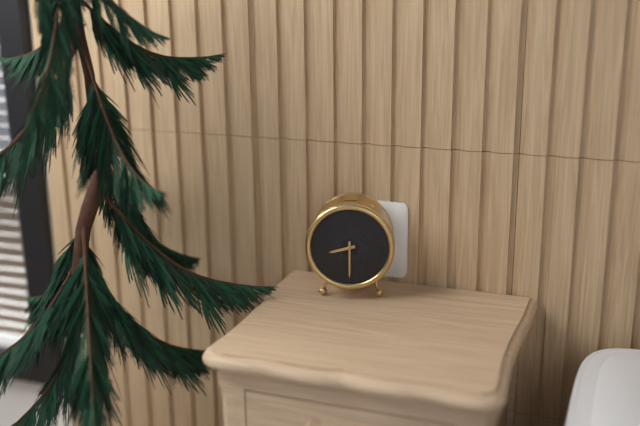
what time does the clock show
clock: 8:30
